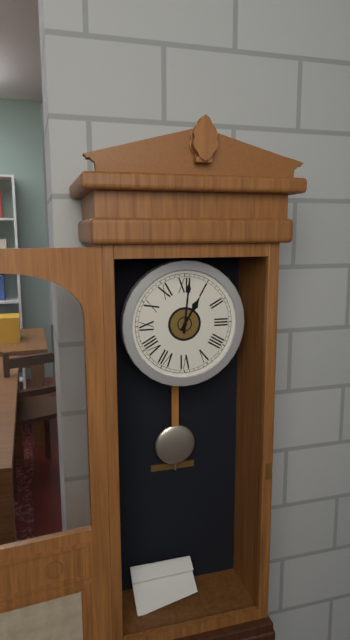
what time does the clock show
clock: 1:01
